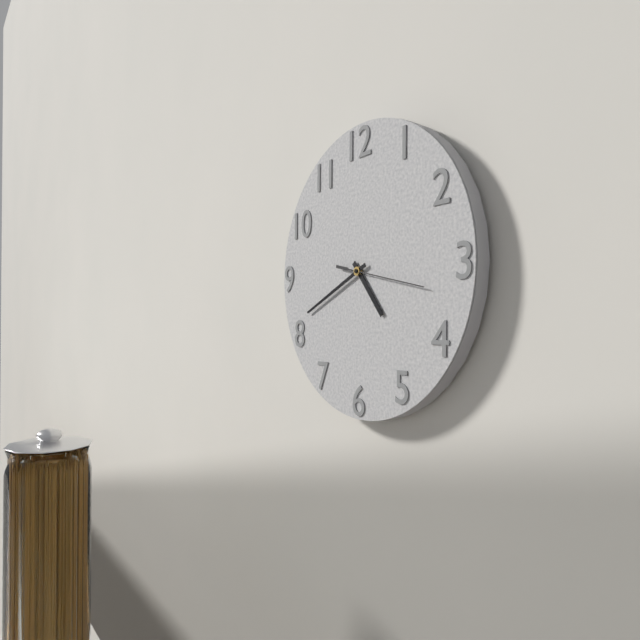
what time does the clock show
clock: 4:41:17
